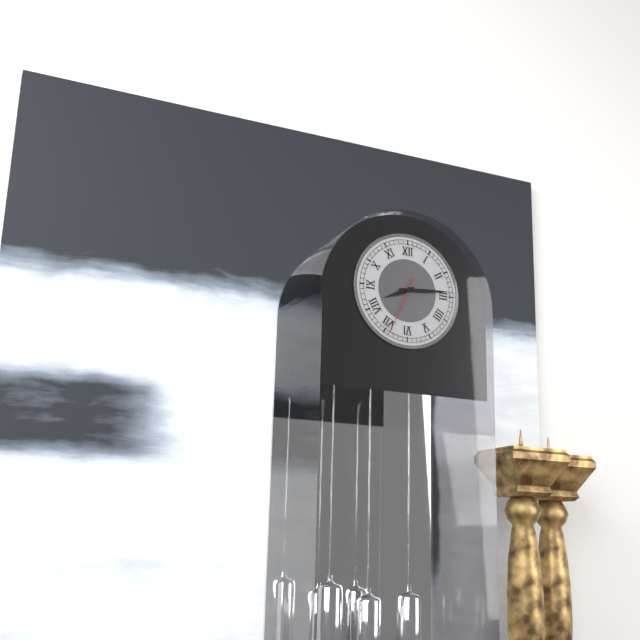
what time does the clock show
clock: 8:14:34
